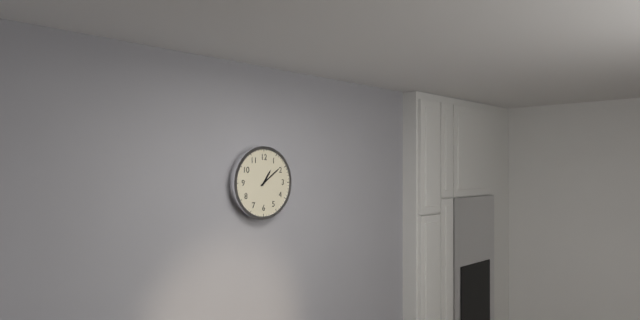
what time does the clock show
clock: 1:09
